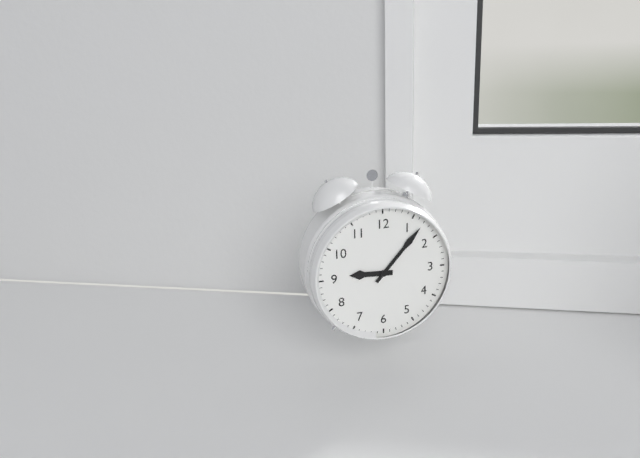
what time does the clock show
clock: 9:07
